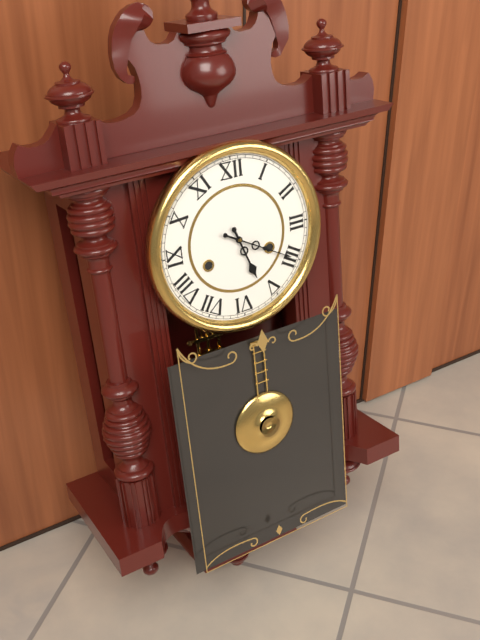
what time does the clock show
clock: 5:20
